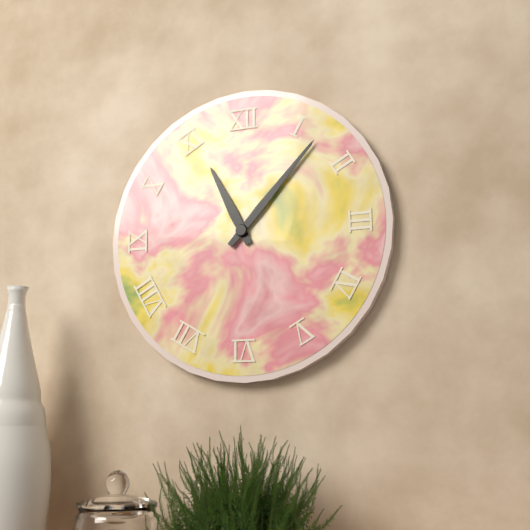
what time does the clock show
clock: 11:07
